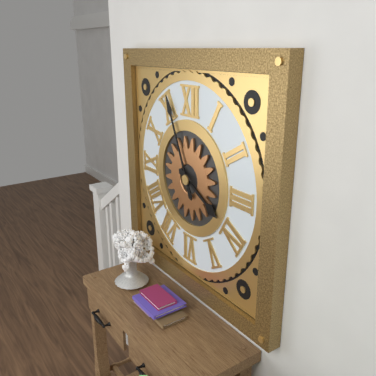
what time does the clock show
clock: 3:56
